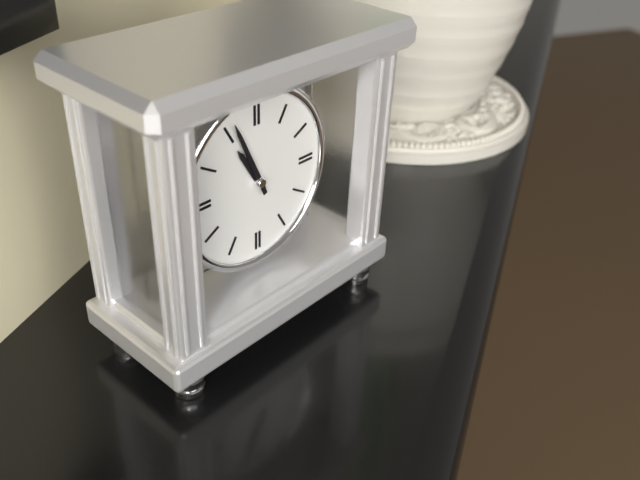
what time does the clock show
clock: 10:56
